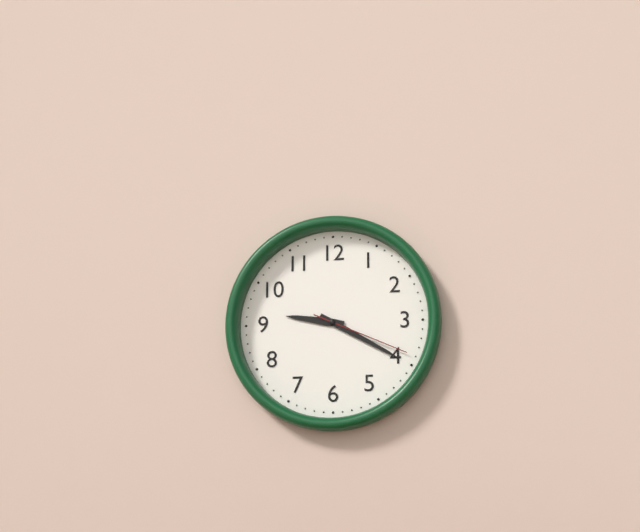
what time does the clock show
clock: 9:20:19
